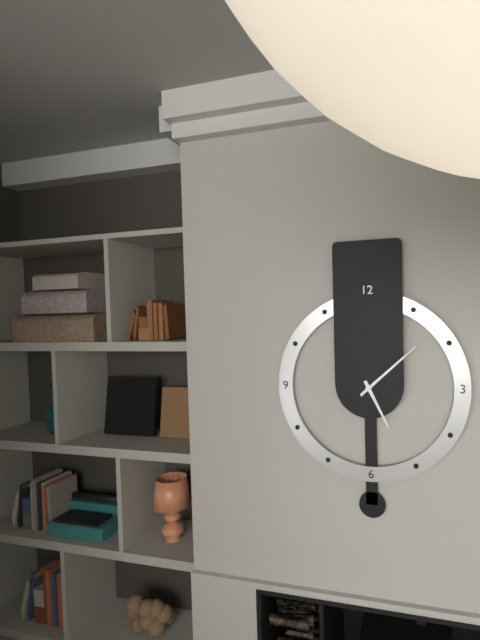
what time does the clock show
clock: 5:08
